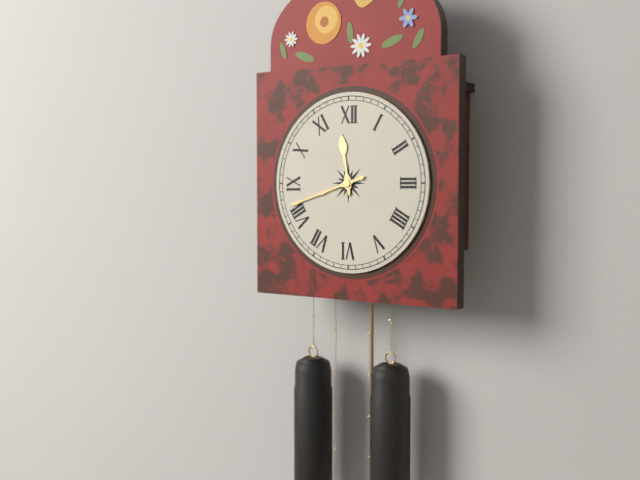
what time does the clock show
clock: 11:42
